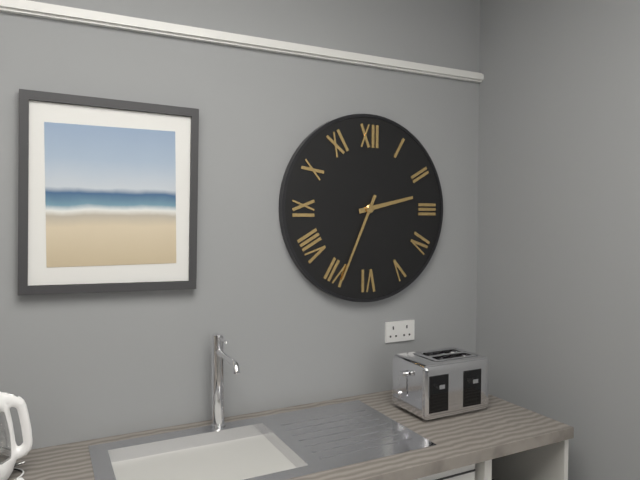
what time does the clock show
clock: 2:34
